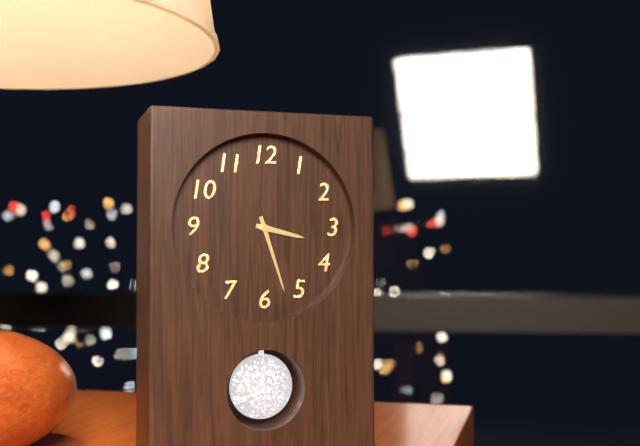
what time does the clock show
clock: 3:27
